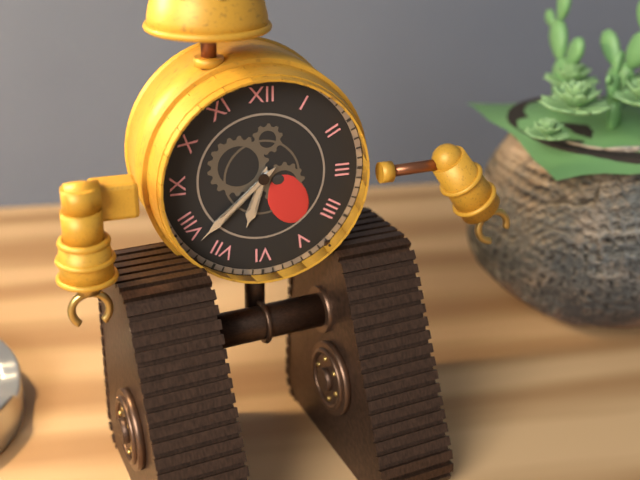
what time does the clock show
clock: 6:38
